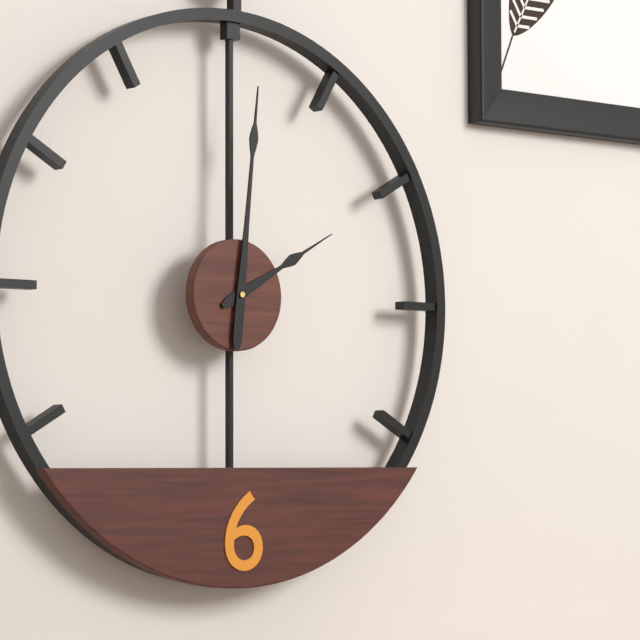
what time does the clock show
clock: 2:01
